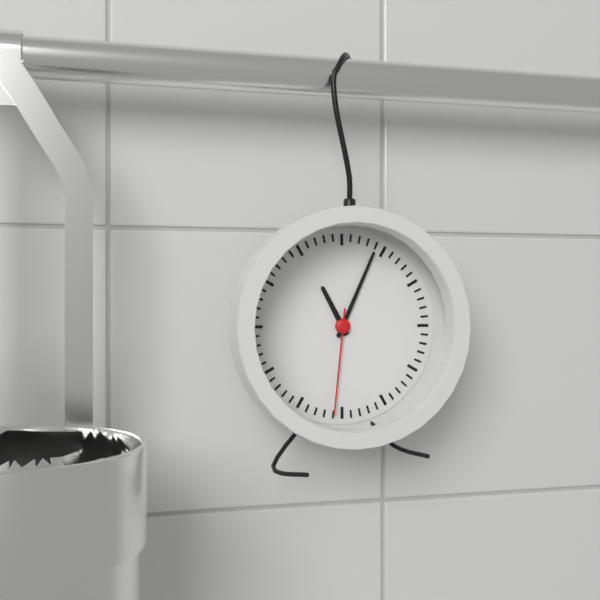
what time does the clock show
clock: 11:04:31
